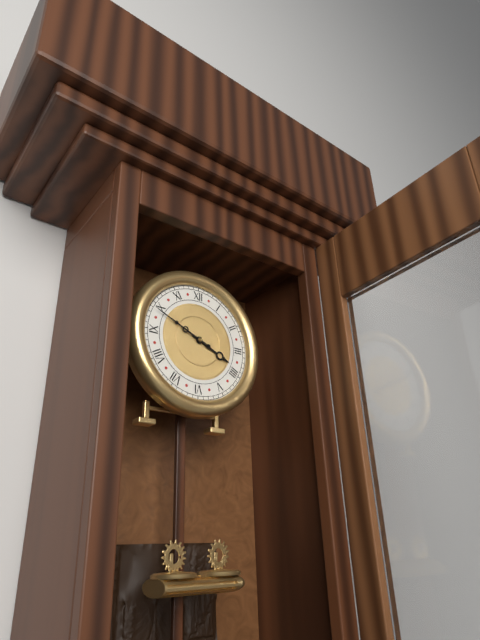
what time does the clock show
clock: 3:49
